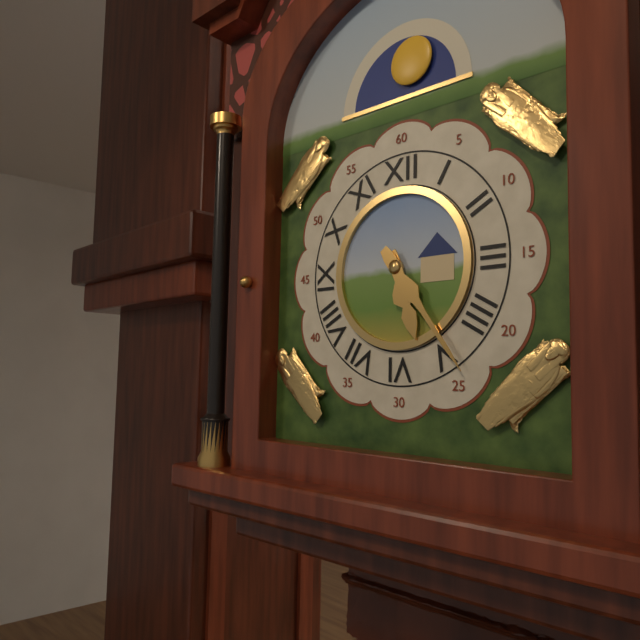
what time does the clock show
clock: 5:24
